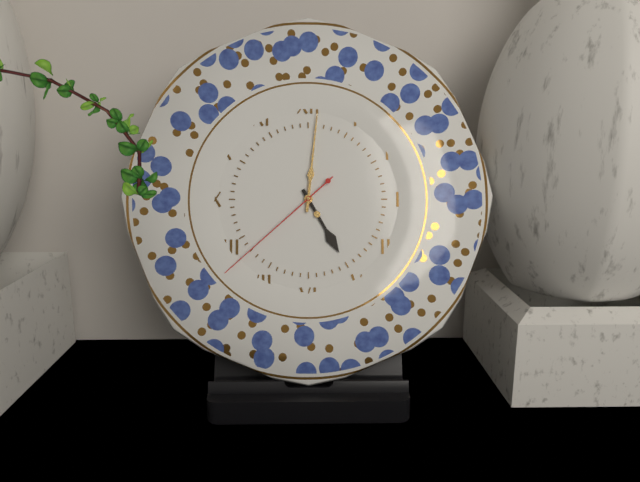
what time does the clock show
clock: 5:01:38
